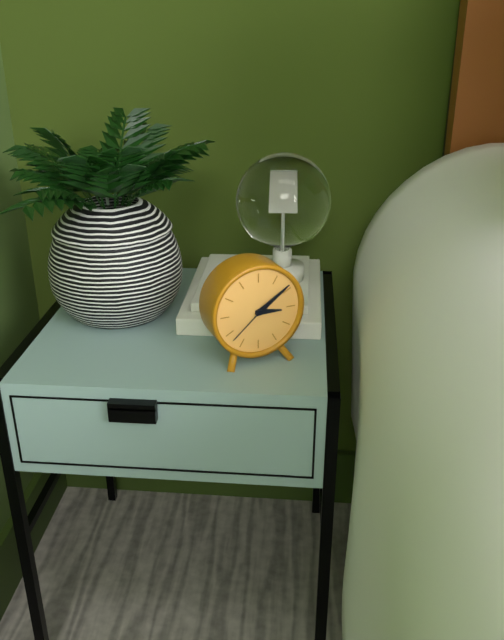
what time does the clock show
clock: 3:09
